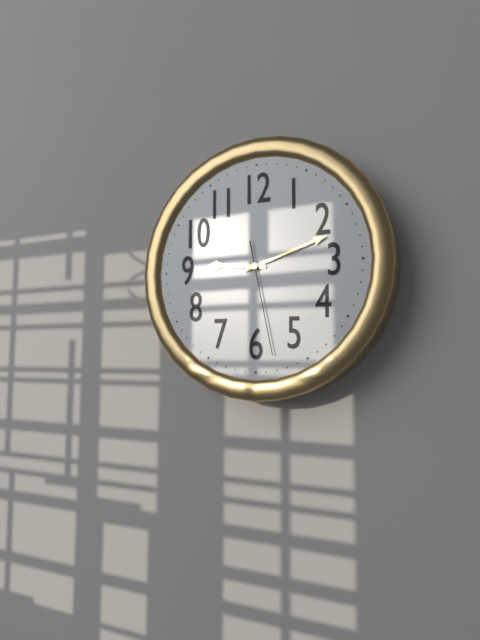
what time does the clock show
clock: 9:12:28
